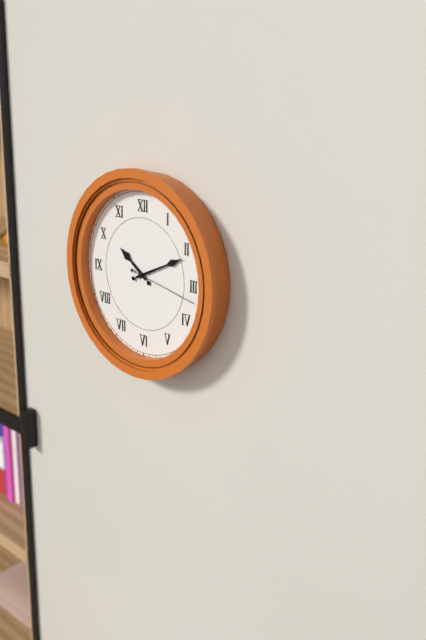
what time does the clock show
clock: 10:11:17
